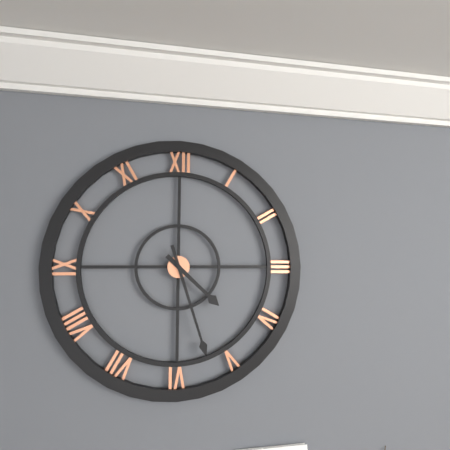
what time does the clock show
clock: 4:27
